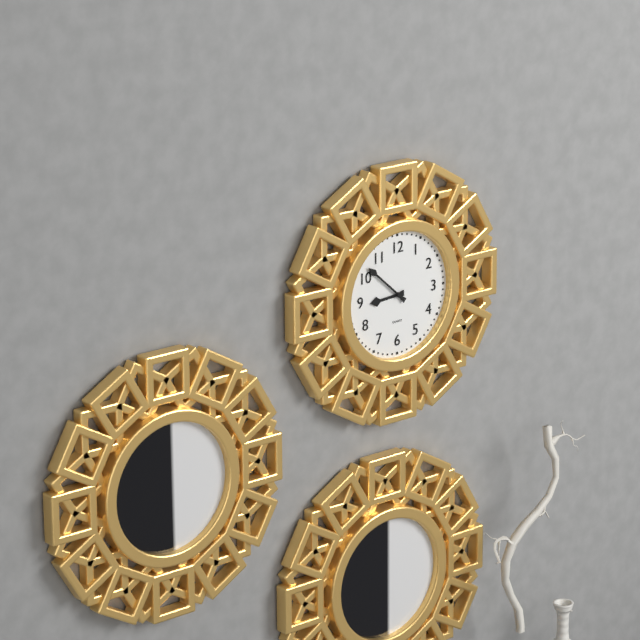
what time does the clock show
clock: 8:52
